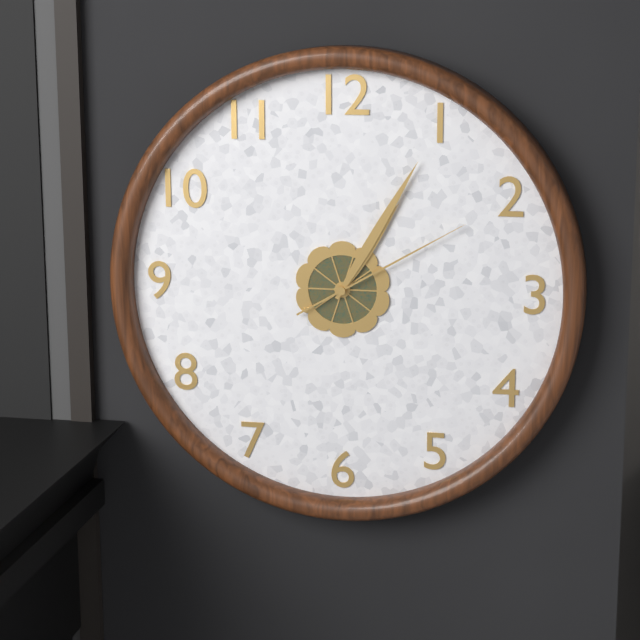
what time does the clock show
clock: 1:05:10
